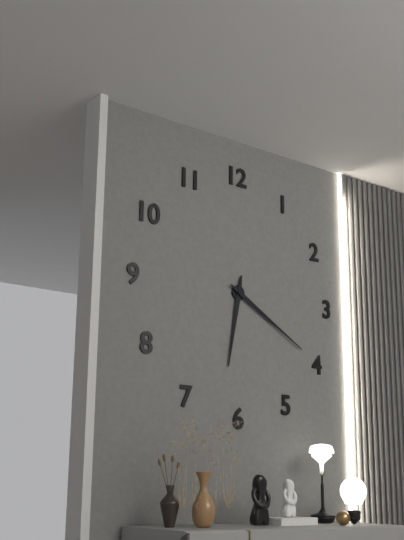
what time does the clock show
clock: 6:20
